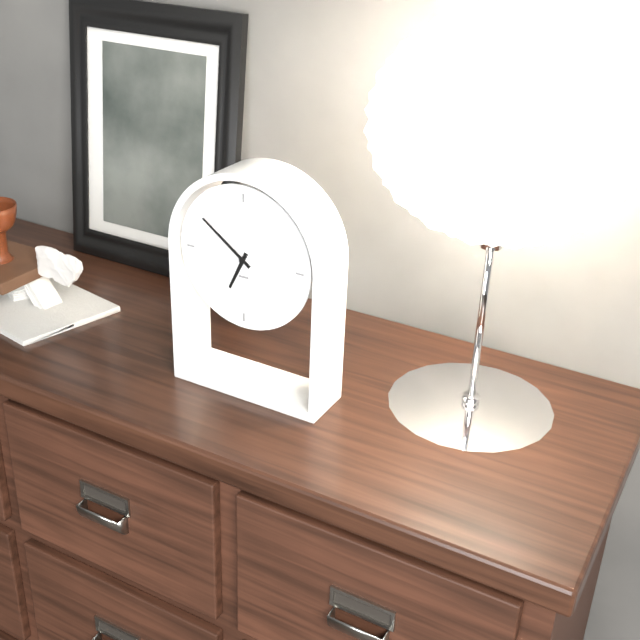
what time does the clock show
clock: 6:51
